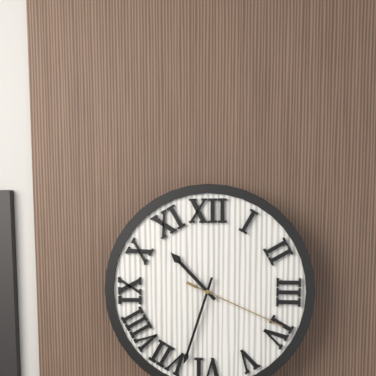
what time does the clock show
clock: 10:33:19
